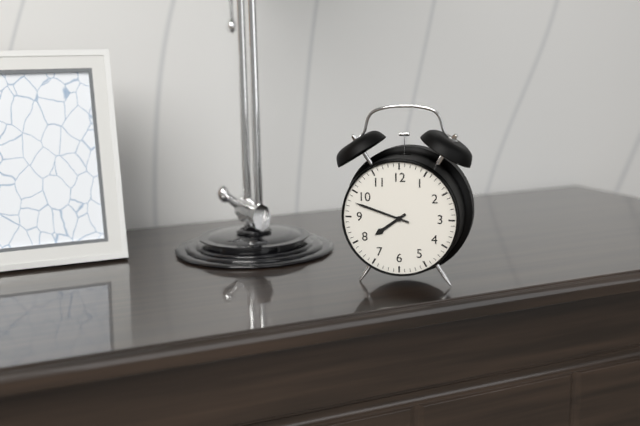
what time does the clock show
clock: 7:48
